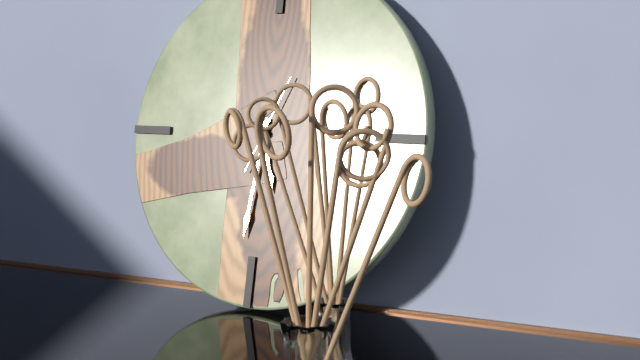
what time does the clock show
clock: 5:31:04
